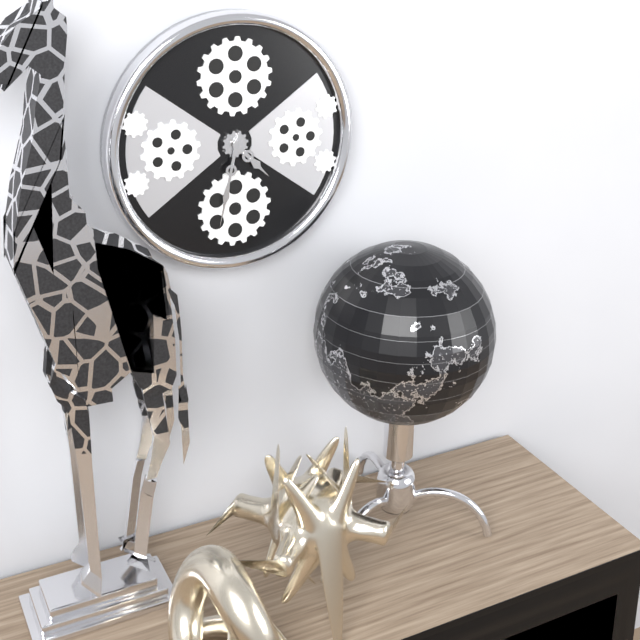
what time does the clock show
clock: 4:32
